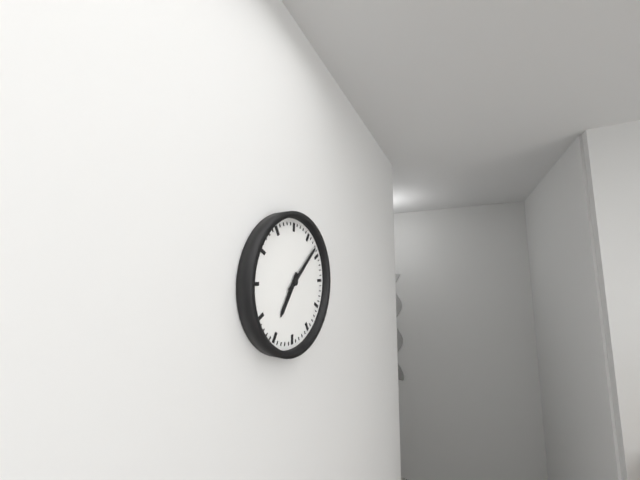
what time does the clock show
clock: 7:08
